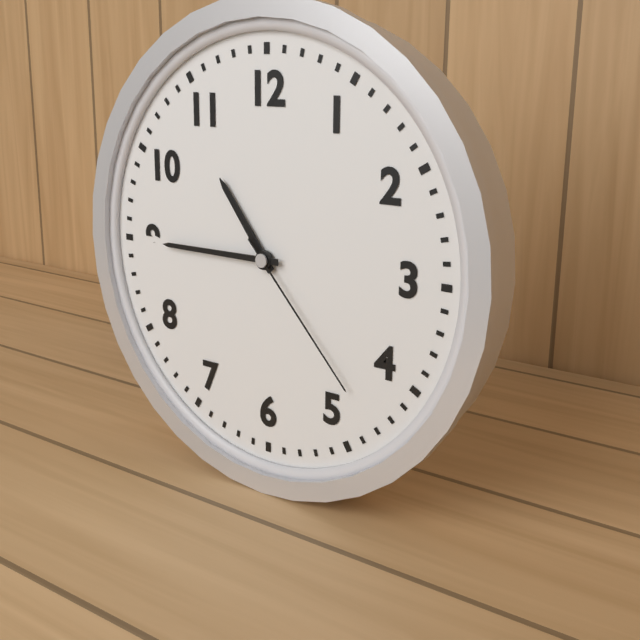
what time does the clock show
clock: 10:45:23
